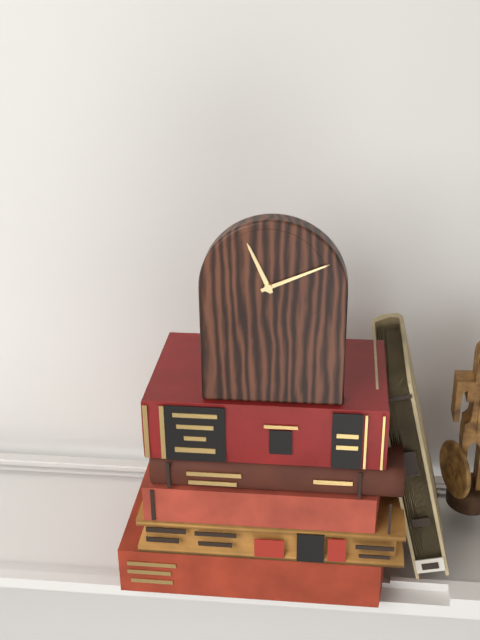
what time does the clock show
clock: 11:11
